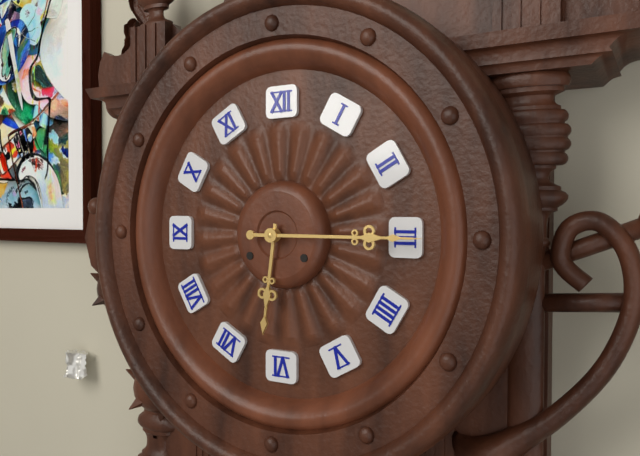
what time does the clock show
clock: 6:15
